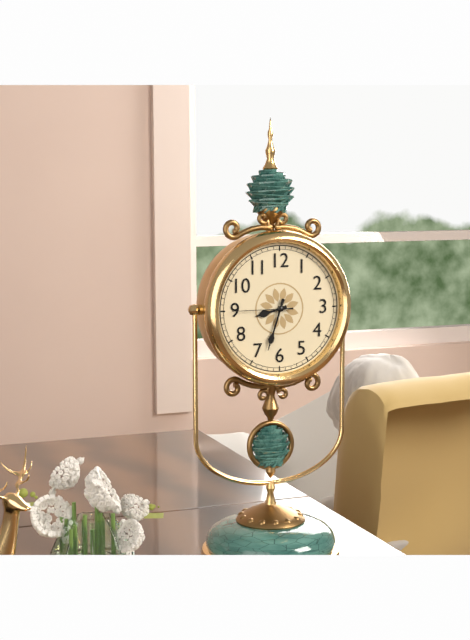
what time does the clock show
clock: 8:33:45
